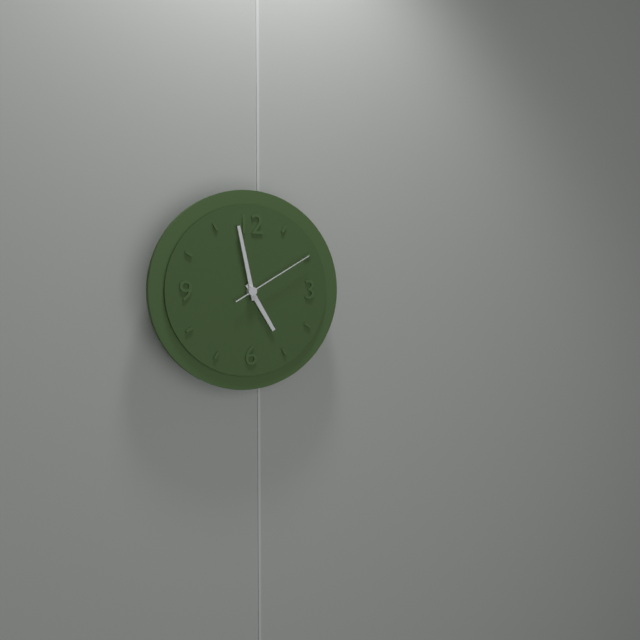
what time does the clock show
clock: 4:58:10
